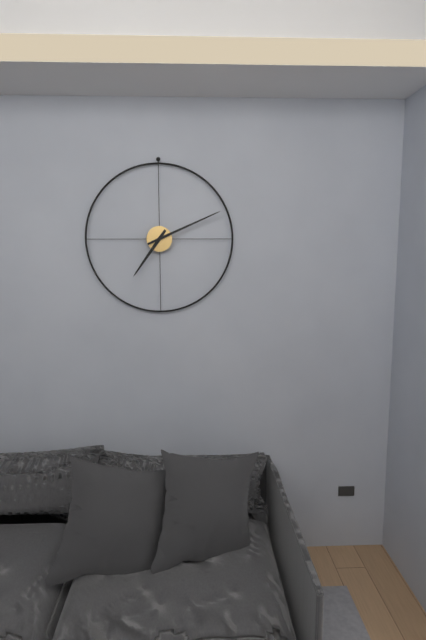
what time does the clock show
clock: 7:11
